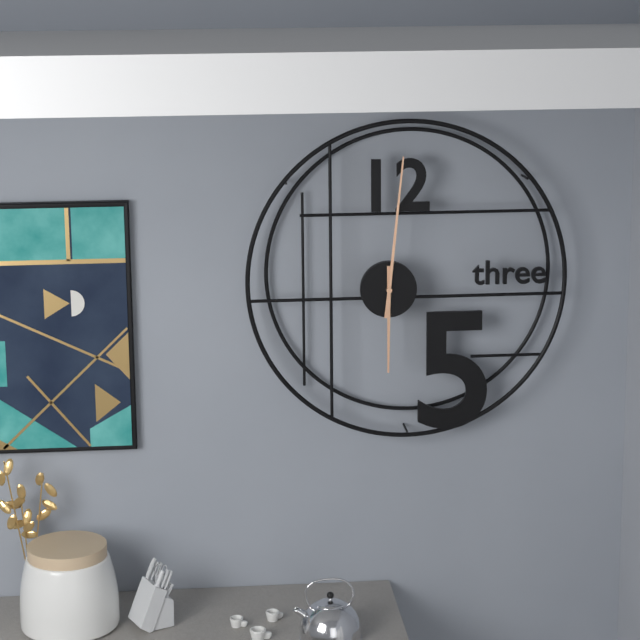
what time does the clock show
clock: 6:01
